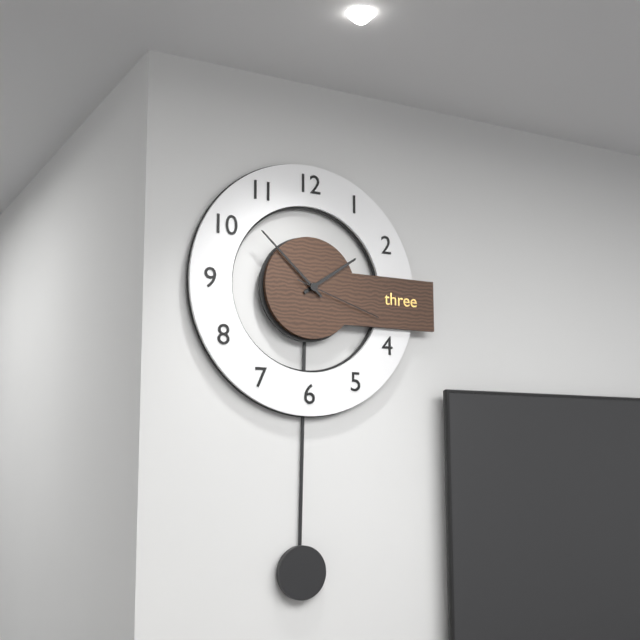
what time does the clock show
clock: 1:52:18
